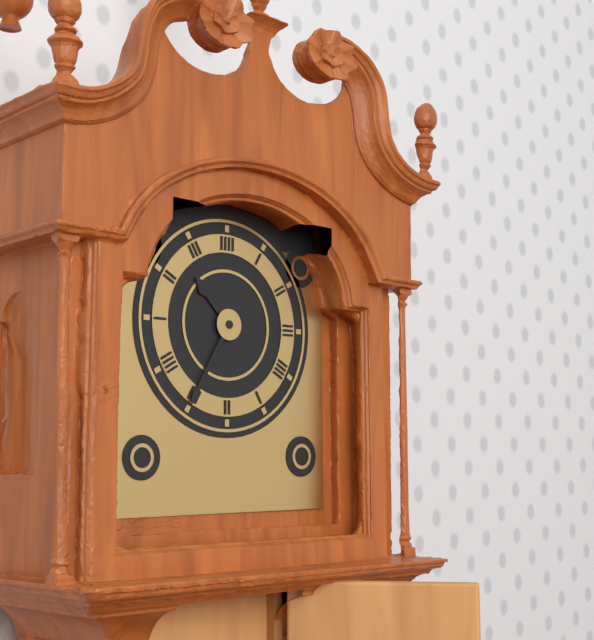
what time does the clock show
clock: 10:35
